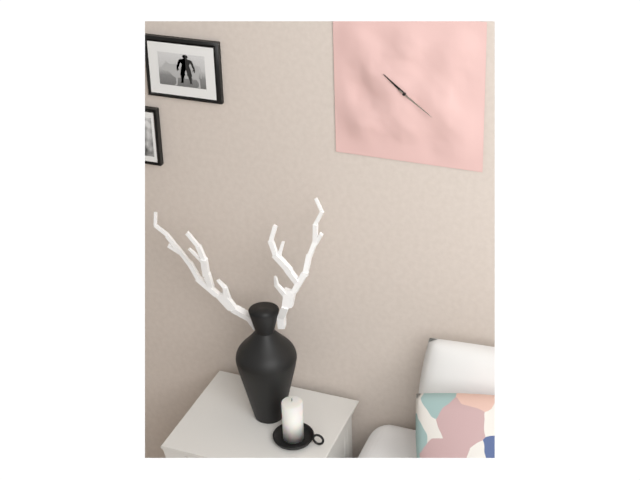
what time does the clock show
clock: 10:21
